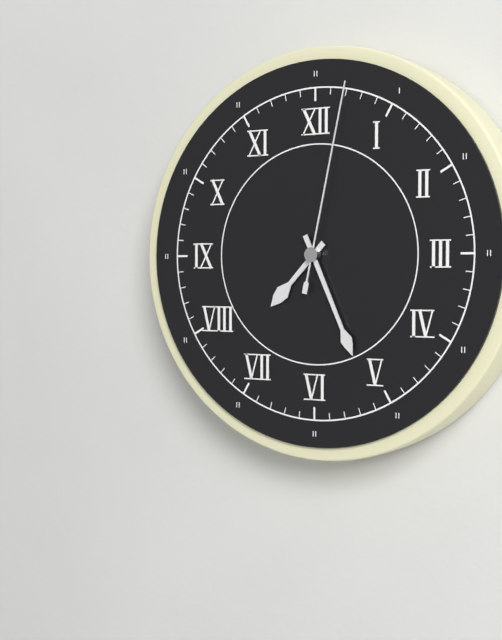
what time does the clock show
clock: 7:26:02
